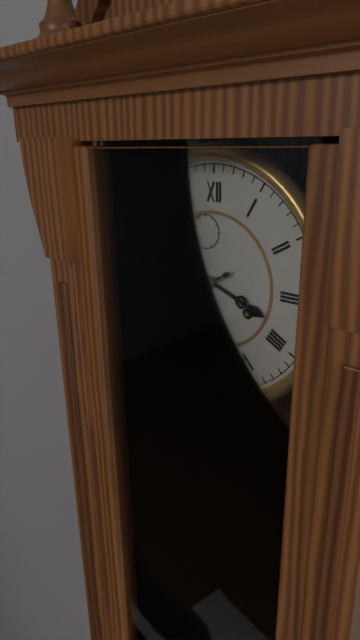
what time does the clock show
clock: 3:40
